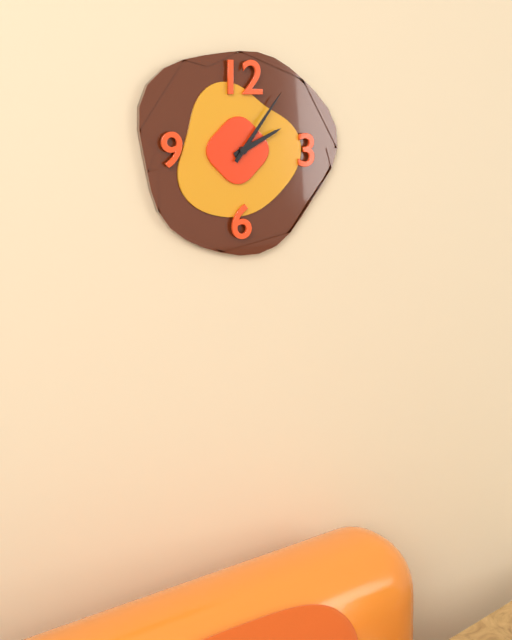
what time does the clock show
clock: 2:06
